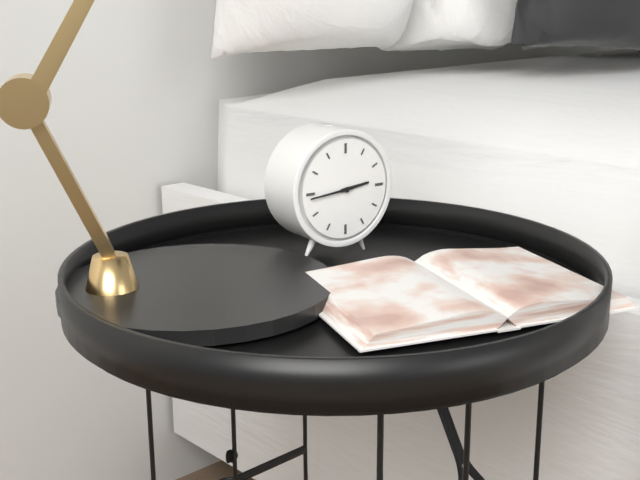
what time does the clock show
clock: 2:44
